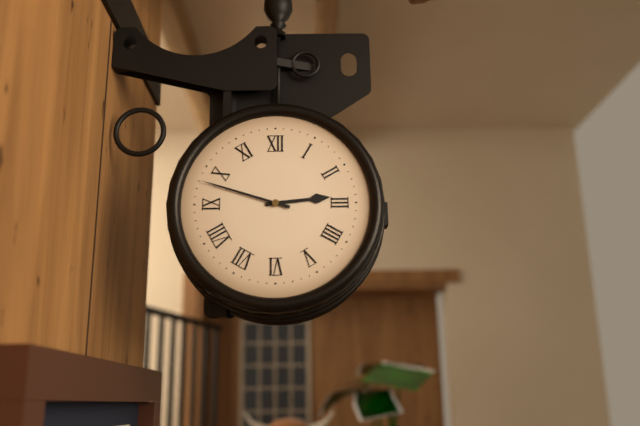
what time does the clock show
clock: 2:48
